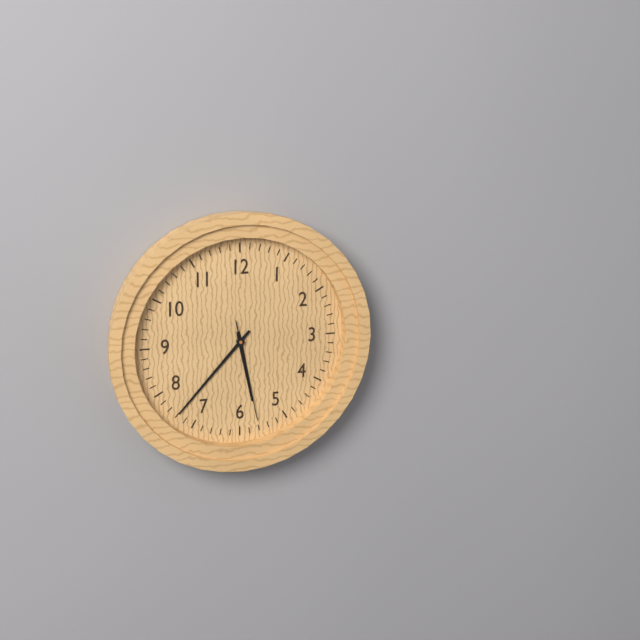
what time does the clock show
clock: 5:37:28
